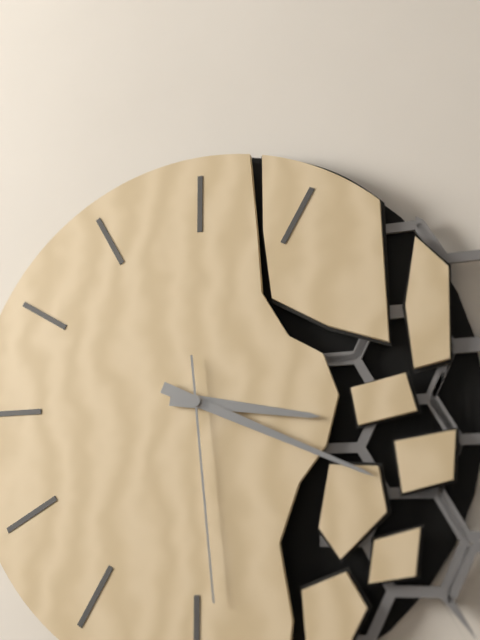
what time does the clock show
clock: 3:19:29
